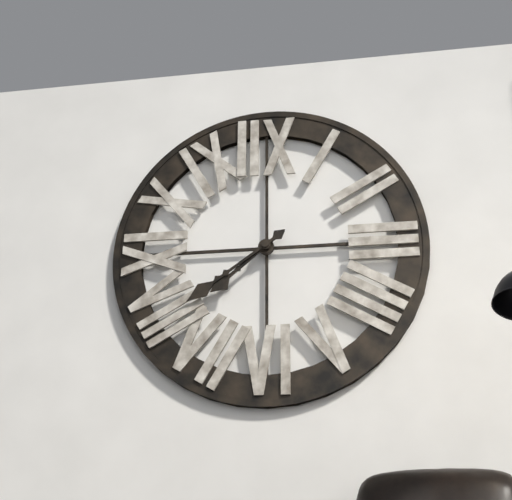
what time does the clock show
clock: 7:39
